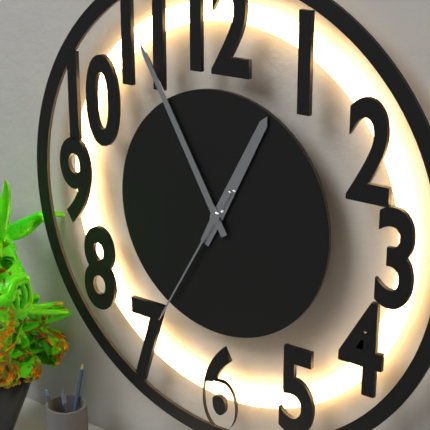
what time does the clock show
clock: 12:55:35
